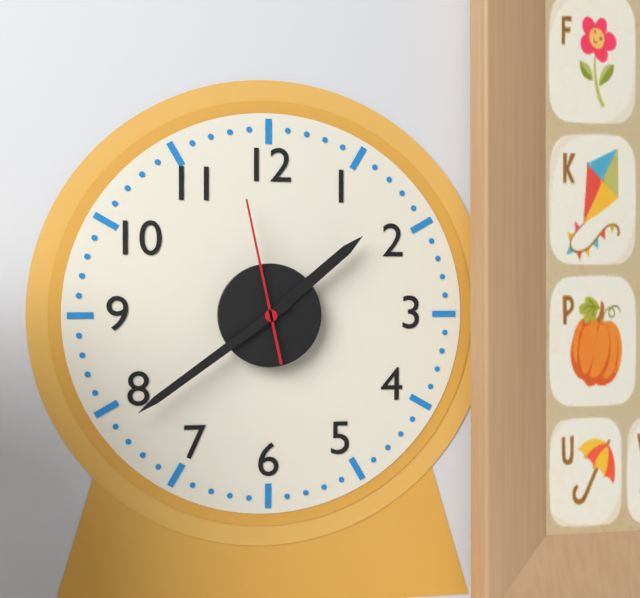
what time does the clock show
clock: 1:39:58
